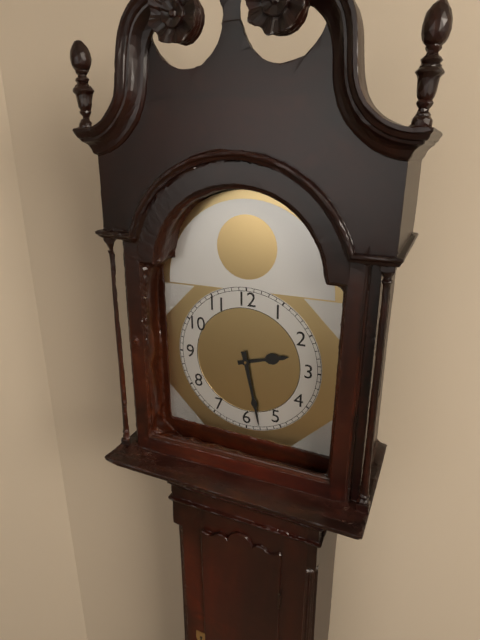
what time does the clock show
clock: 2:28
